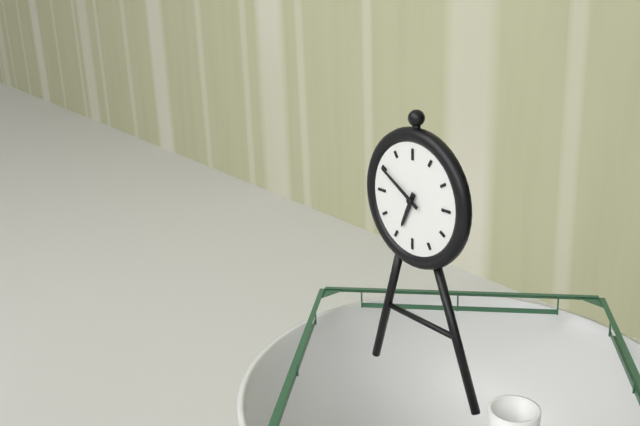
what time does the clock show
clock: 6:50
